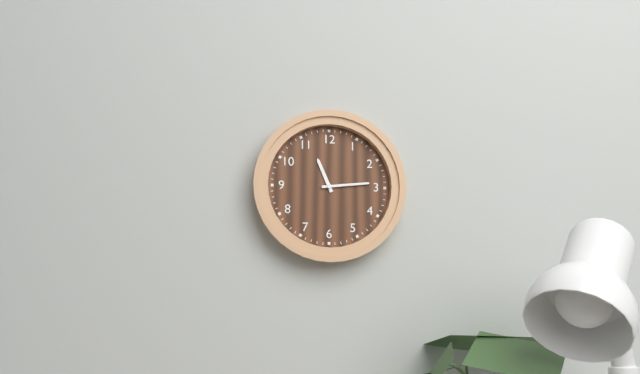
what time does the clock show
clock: 11:14
